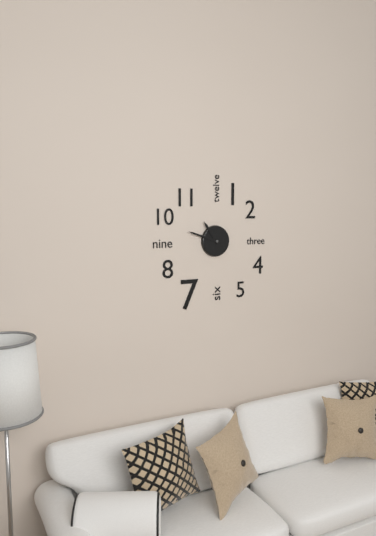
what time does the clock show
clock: 10:48
